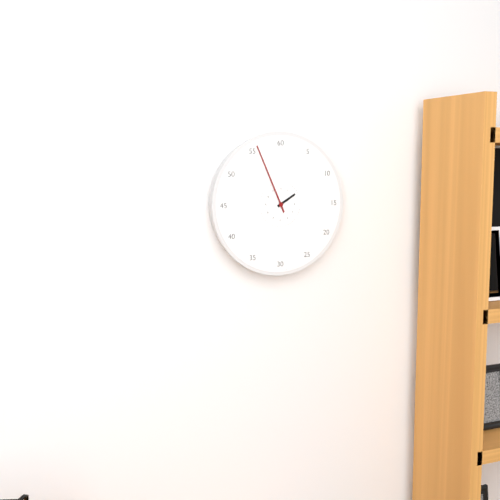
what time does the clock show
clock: 1:56
